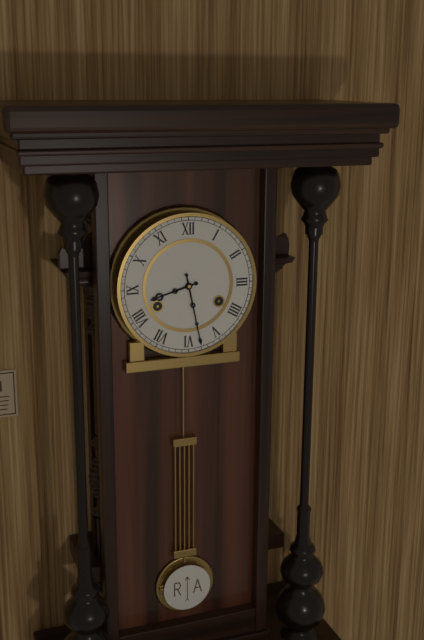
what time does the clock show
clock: 8:28
